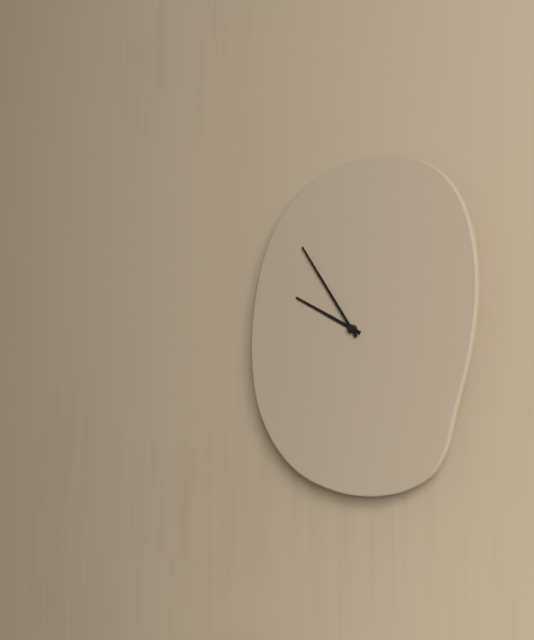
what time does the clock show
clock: 9:54
